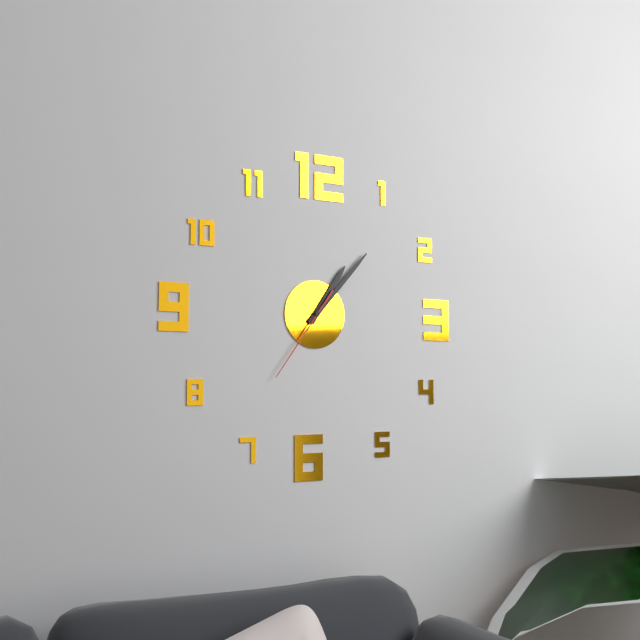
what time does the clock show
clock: 1:07:36
